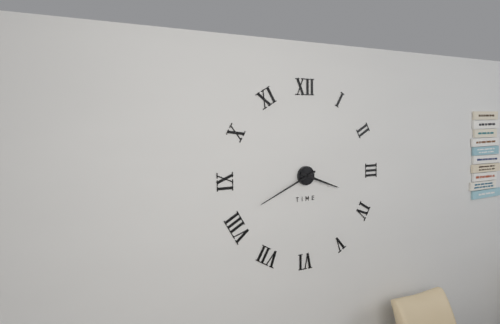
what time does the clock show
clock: 3:41
